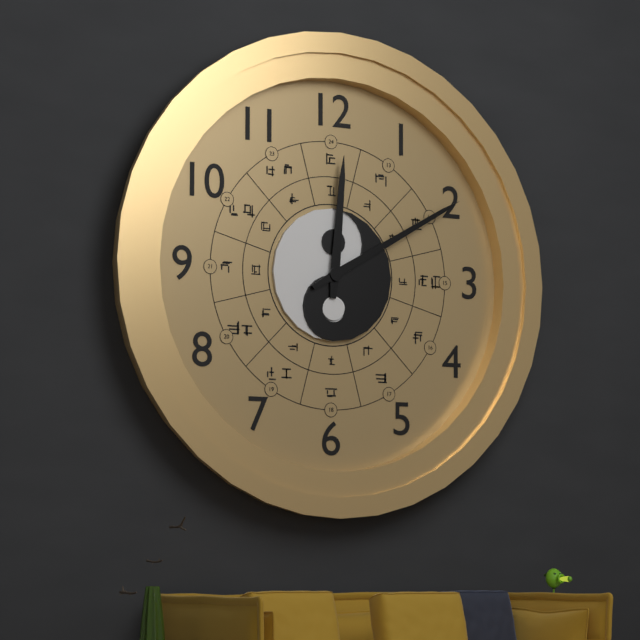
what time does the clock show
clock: 12:10
